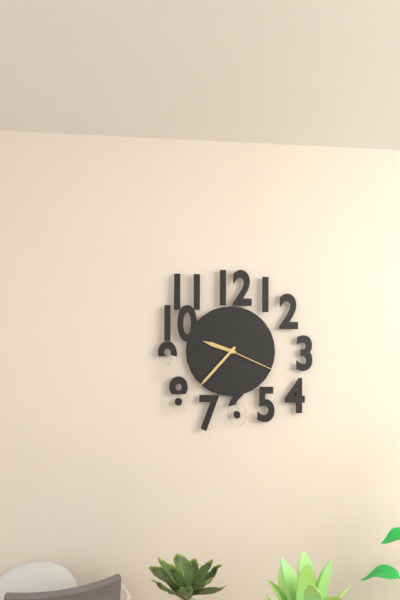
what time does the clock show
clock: 9:37:19
